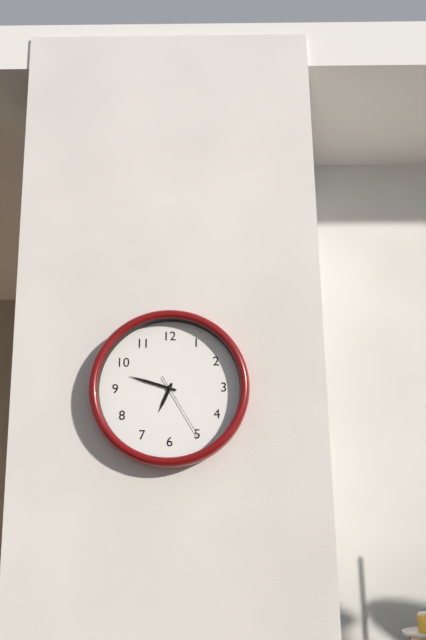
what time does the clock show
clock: 6:48:25
